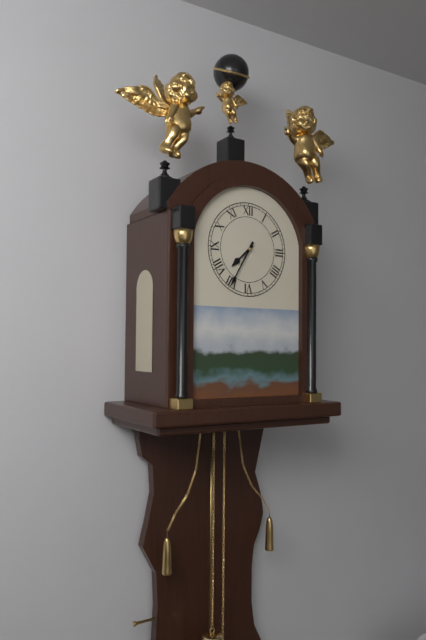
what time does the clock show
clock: 7:35
